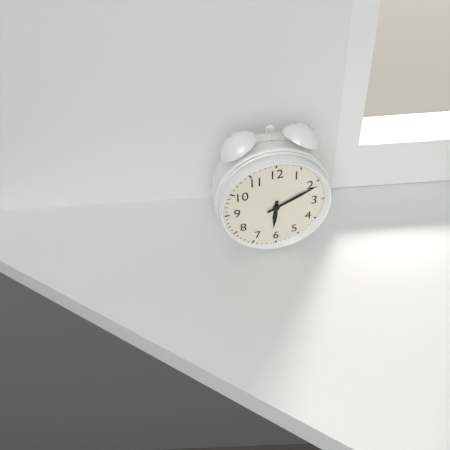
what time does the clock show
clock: 6:11
